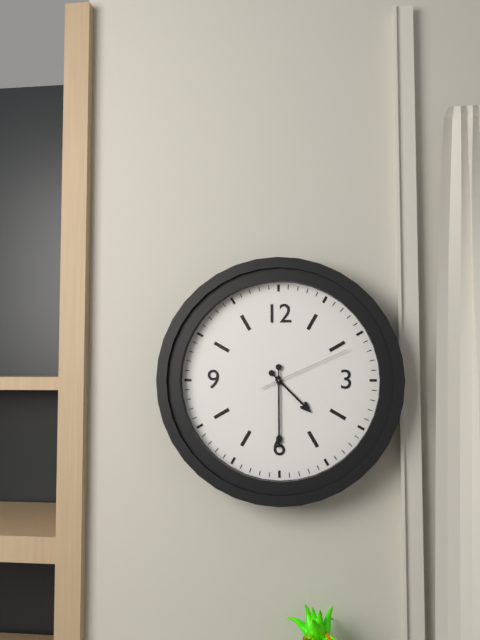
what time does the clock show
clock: 4:30:11
